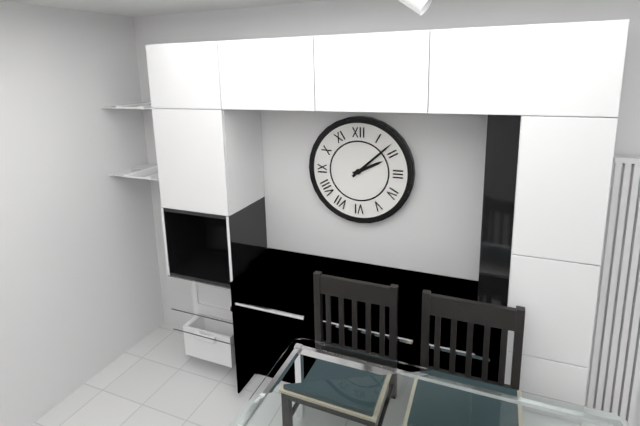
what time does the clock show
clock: 2:08
